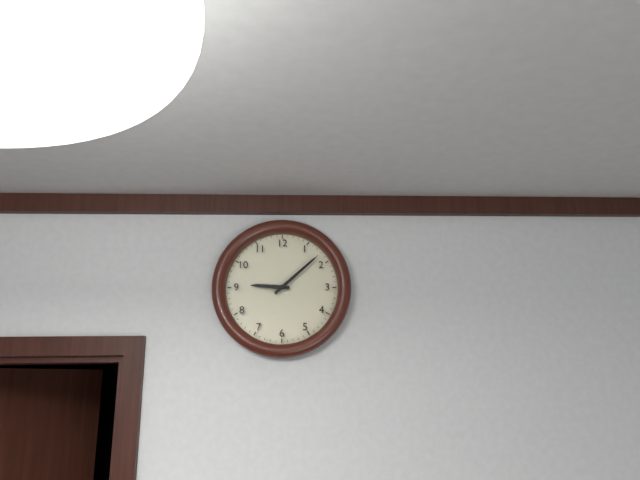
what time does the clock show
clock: 9:08
